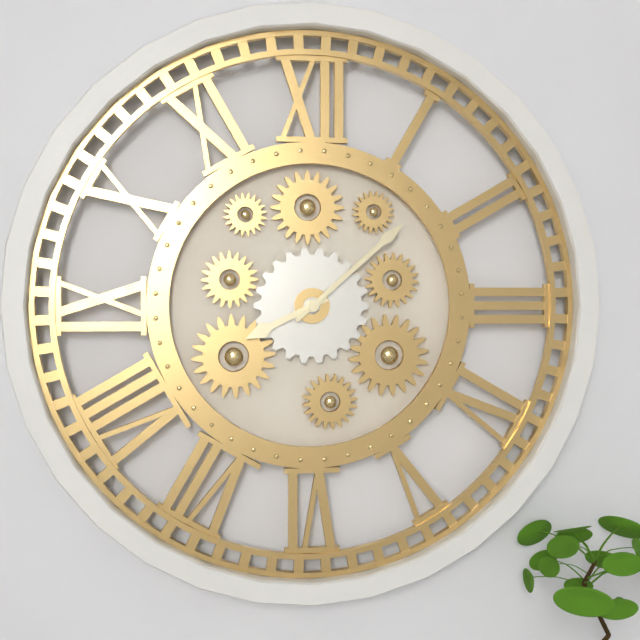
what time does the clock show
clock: 8:08
